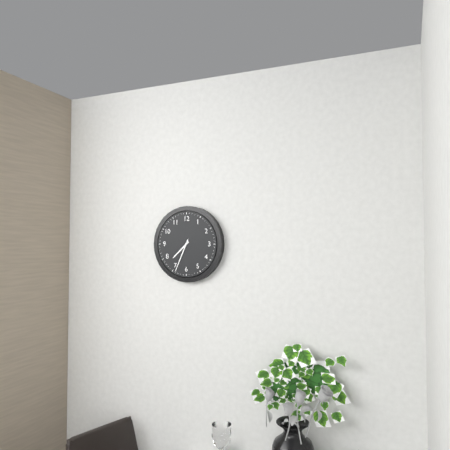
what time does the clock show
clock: 7:34
